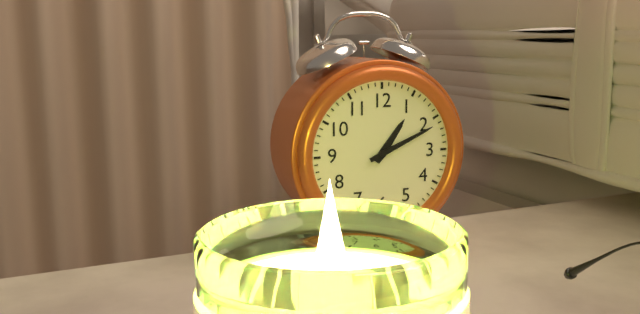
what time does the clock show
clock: 1:11
